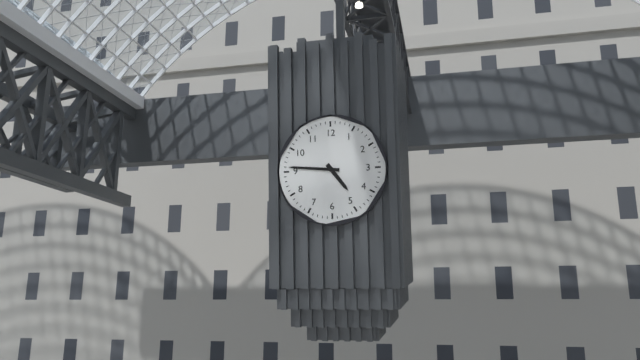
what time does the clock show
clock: 4:46
